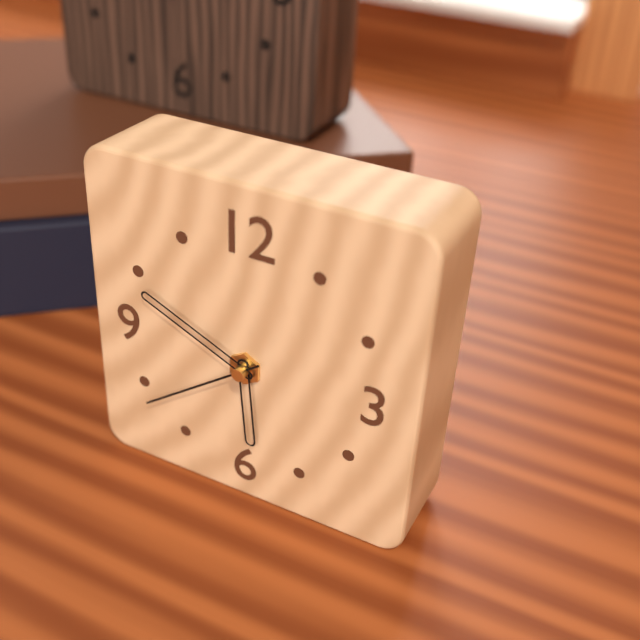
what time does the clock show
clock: 5:49:39
